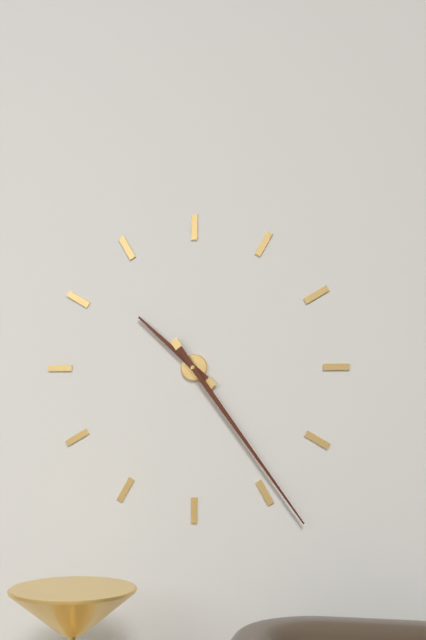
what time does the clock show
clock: 10:24
